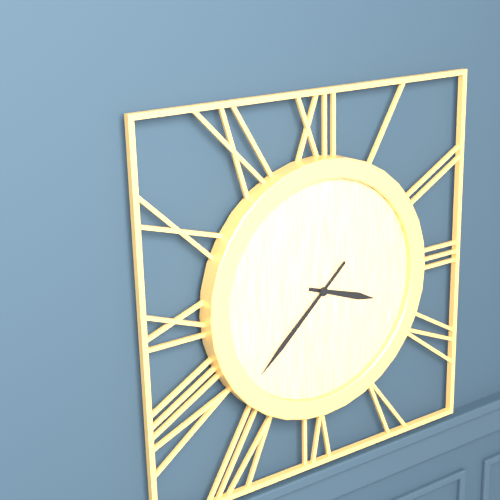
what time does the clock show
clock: 3:38
